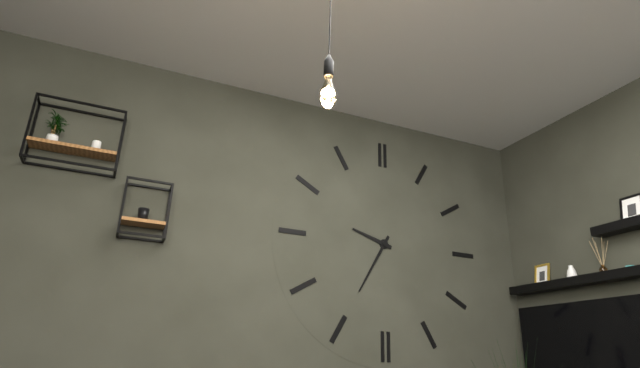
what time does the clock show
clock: 9:35
